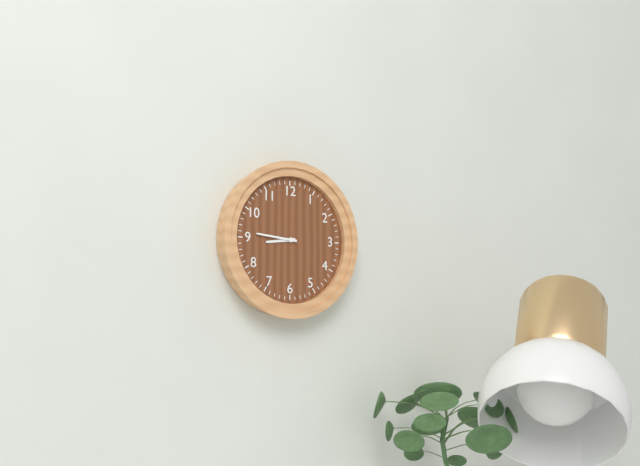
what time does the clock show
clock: 8:46
